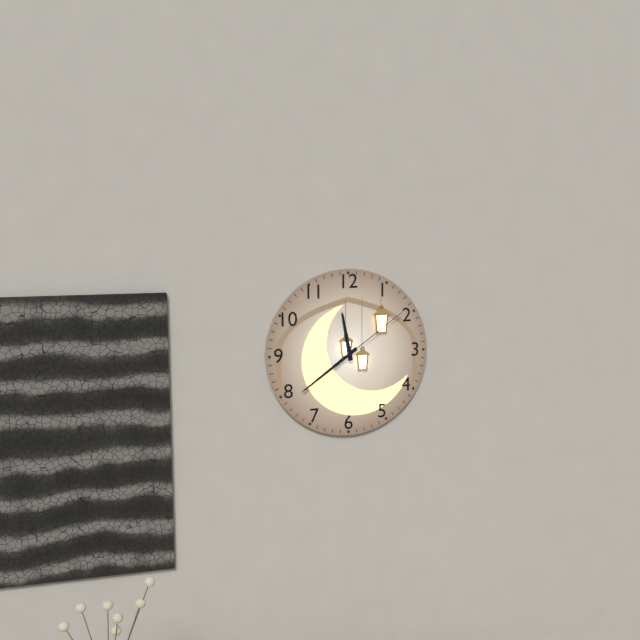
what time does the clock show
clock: 11:39:09
